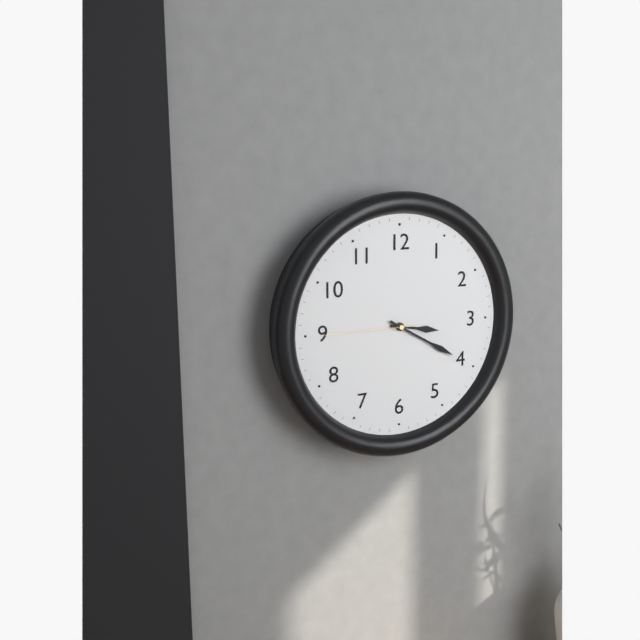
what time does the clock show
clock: 3:20:45
